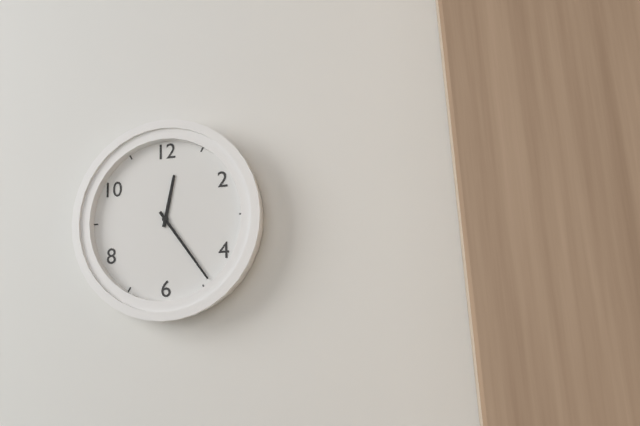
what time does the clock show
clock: 12:24
